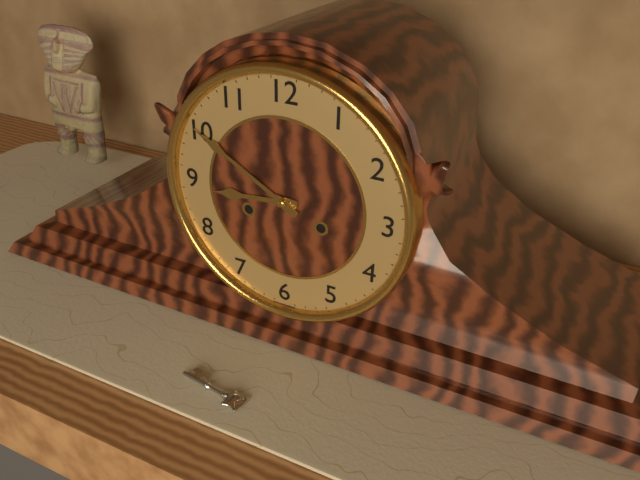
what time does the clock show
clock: 8:50
